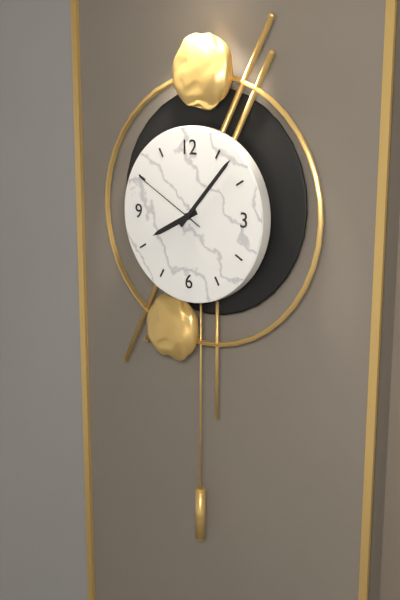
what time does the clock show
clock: 8:07:50
